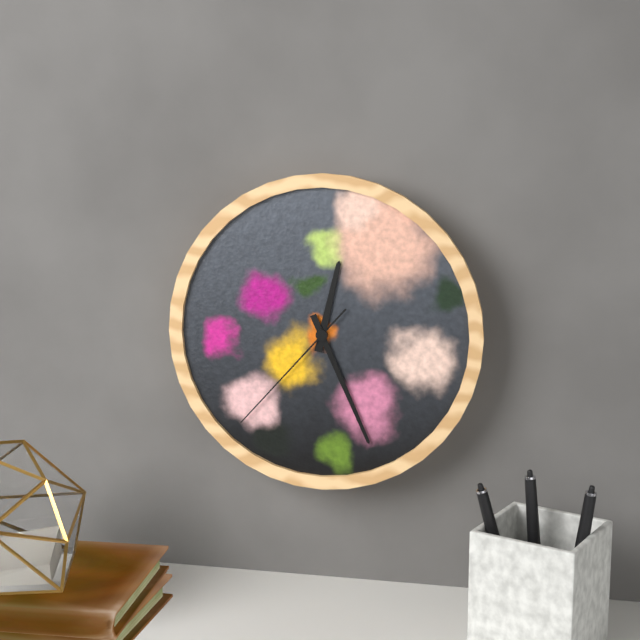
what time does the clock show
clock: 12:26:37
